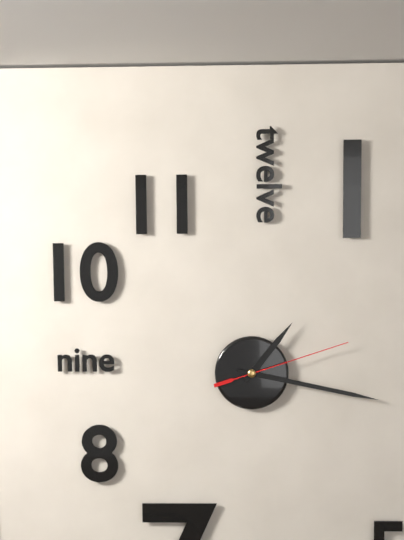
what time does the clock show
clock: 1:17:12
